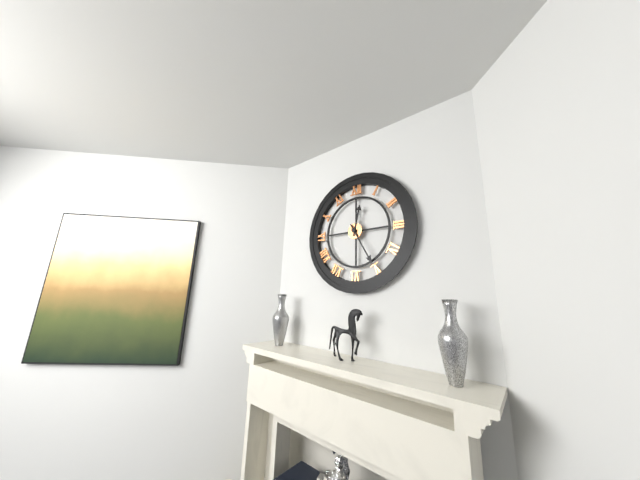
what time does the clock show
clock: 12:25
